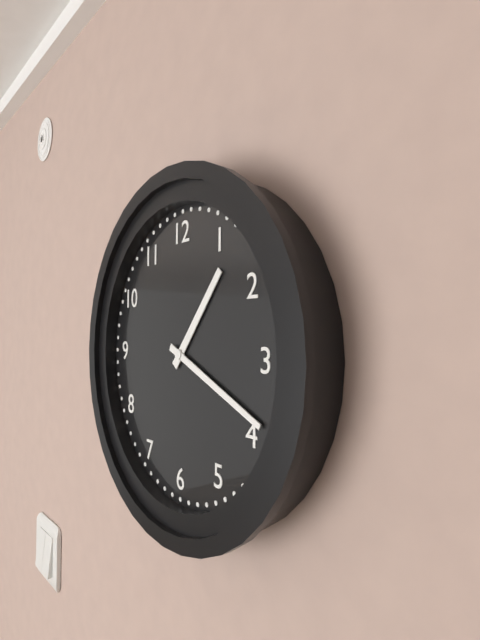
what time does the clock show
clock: 1:19
